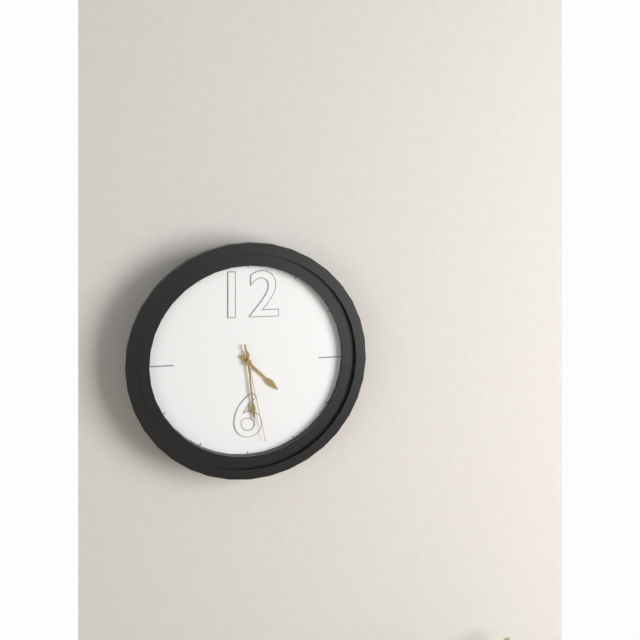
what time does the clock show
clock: 4:29:28
